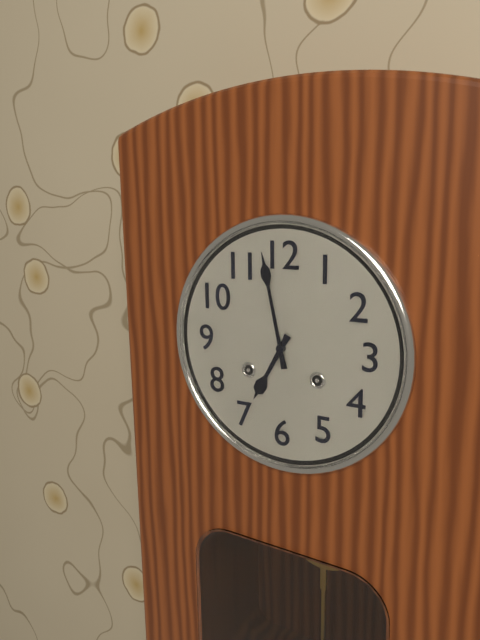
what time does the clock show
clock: 6:58
